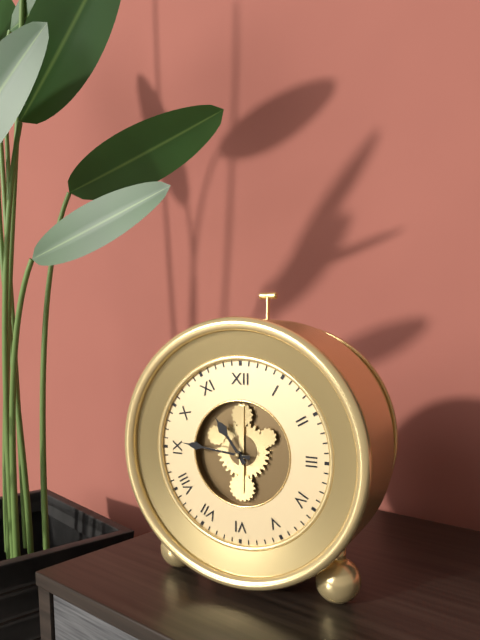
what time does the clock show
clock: 10:46
